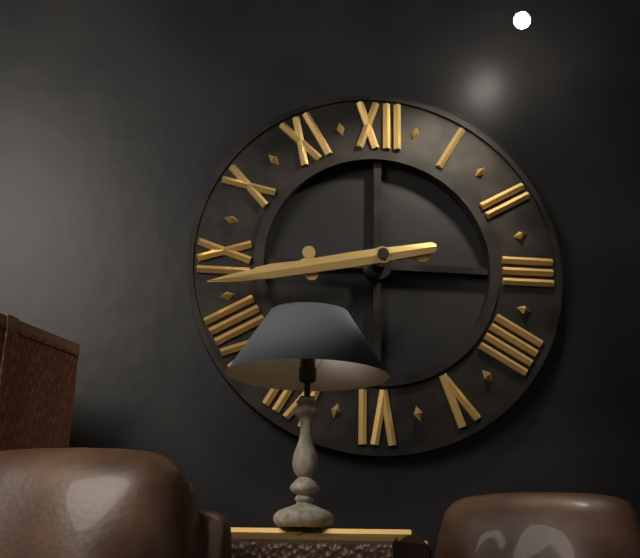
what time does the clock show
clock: 8:43
